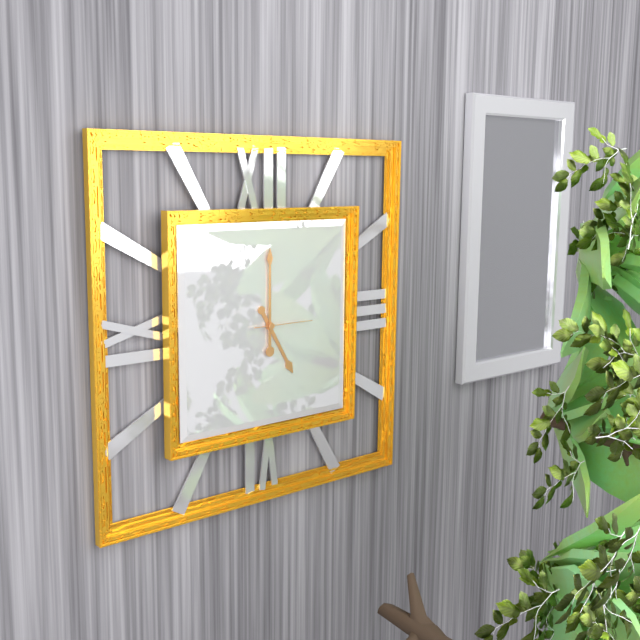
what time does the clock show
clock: 5:00:15
